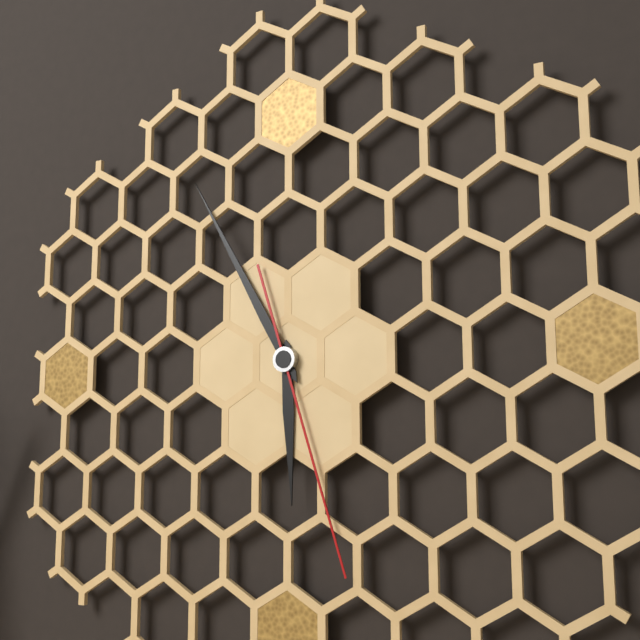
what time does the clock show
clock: 5:55:27
